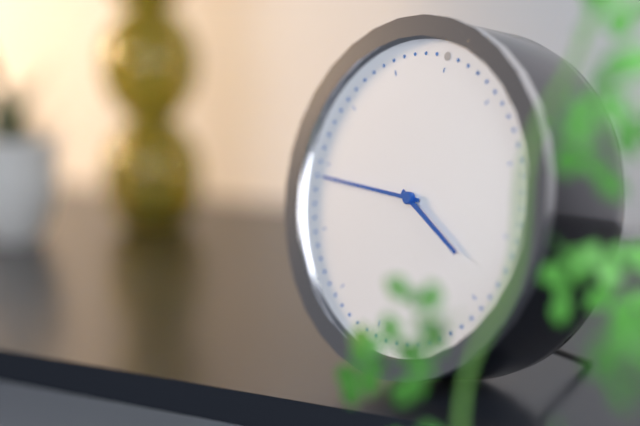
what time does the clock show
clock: 3:44
